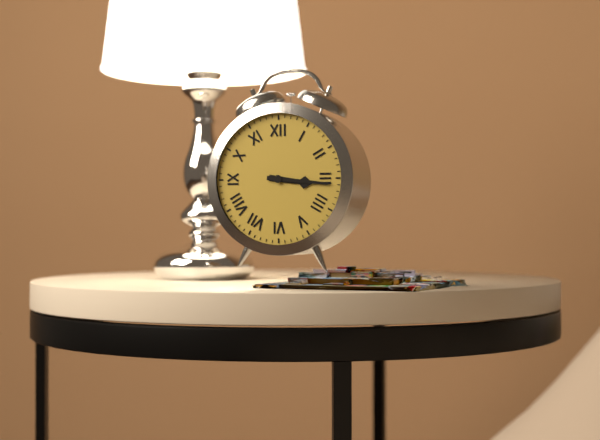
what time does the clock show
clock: 3:16
